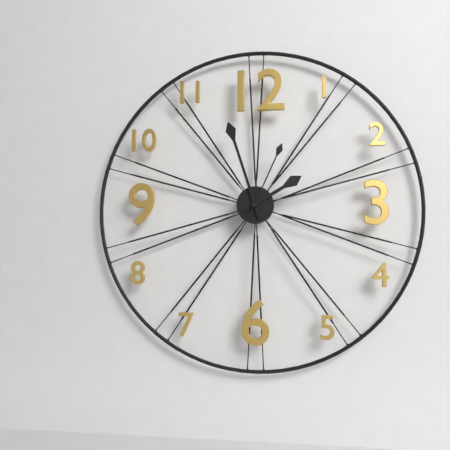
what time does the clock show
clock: 1:57:04
